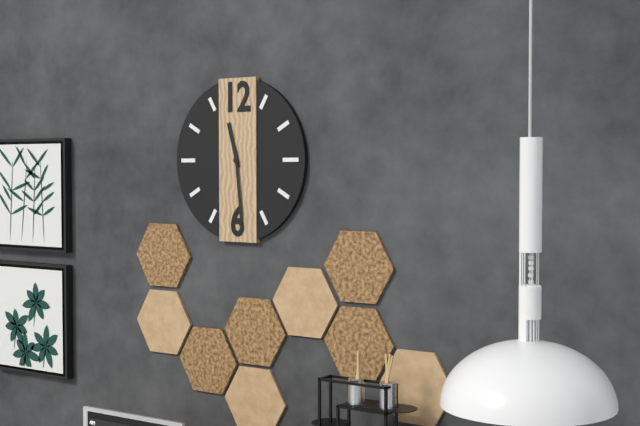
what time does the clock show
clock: 11:29
